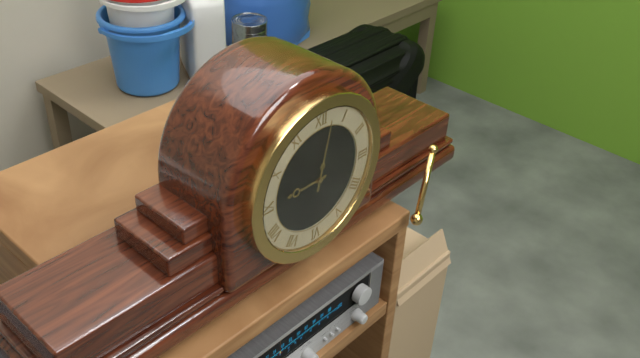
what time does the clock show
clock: 9:02
